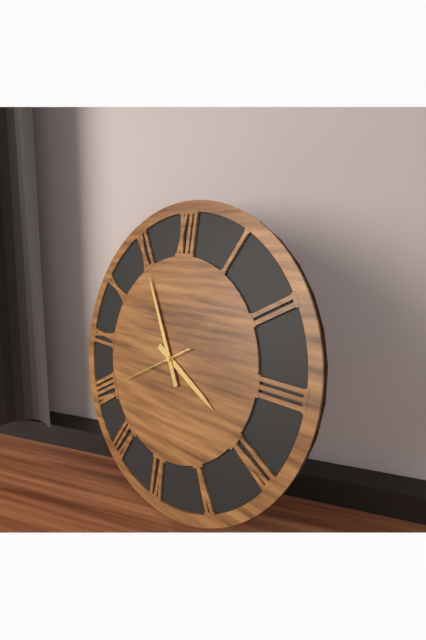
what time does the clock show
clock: 3:55:40
